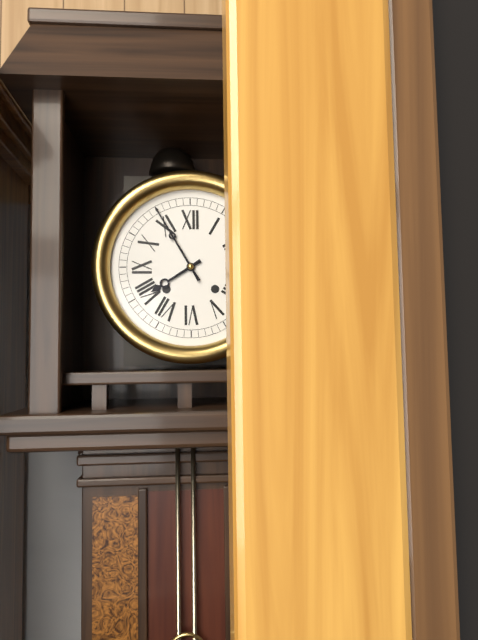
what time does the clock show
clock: 7:55
